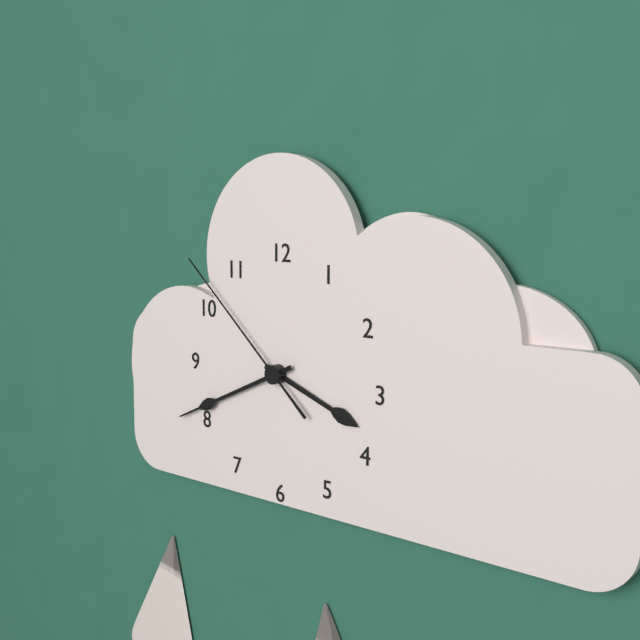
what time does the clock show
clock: 3:41:52
